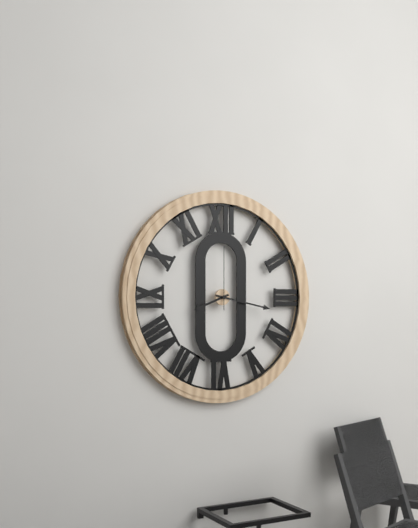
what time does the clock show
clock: 8:17:00
